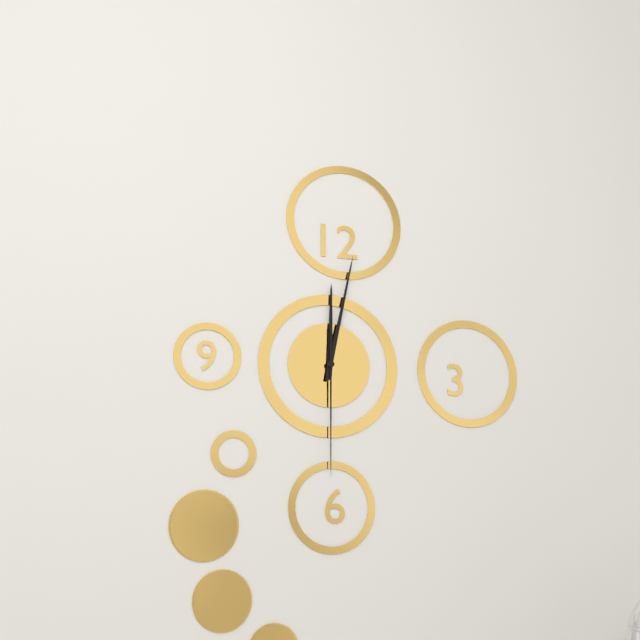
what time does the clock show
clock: 12:02:30
